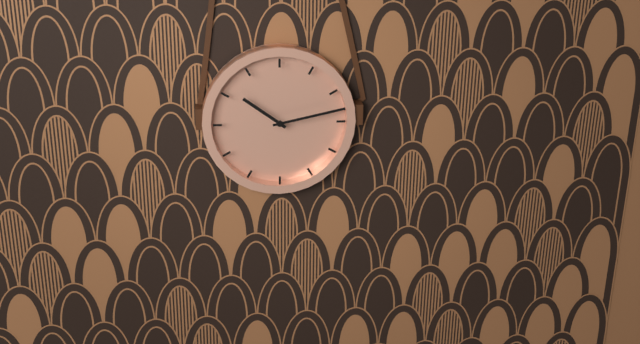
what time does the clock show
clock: 10:13
